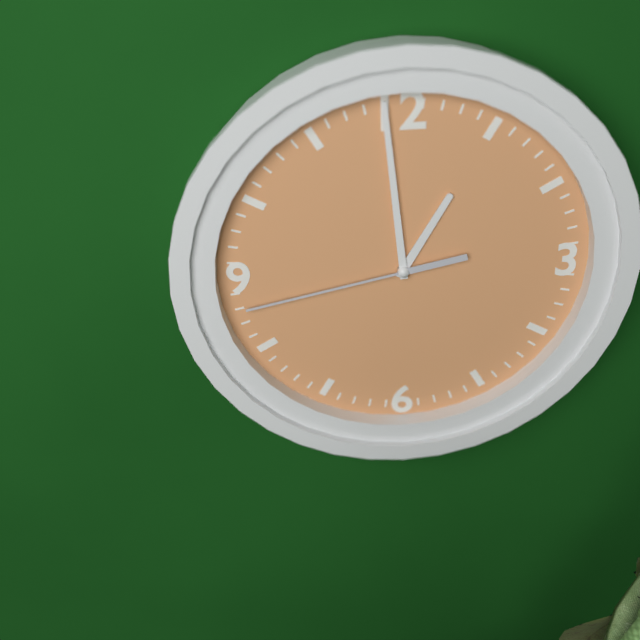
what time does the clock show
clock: 12:59:43
